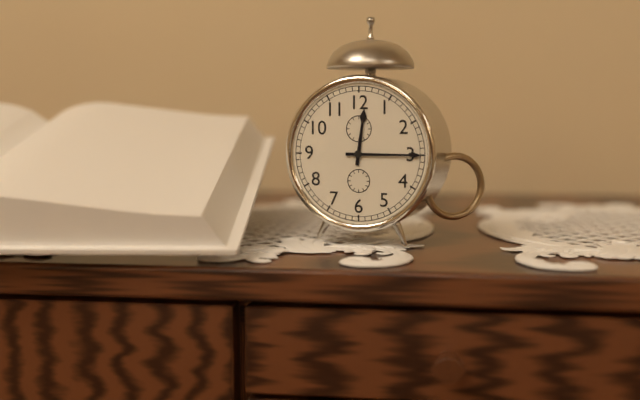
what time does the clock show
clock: 12:15
